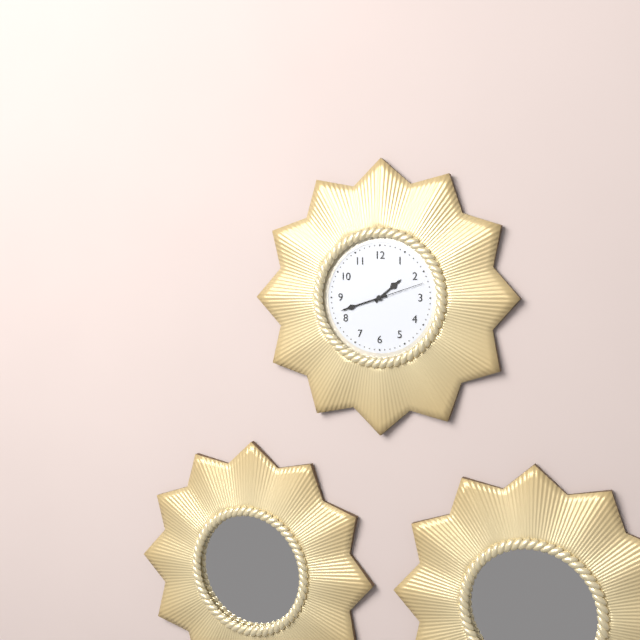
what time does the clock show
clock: 1:42:12
